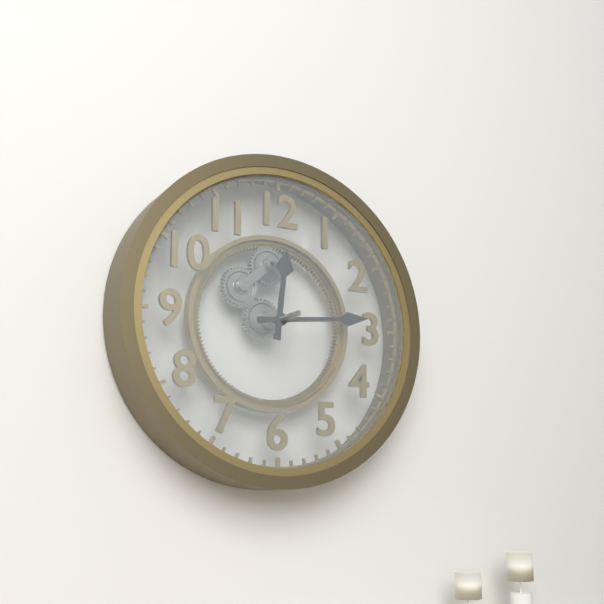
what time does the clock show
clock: 12:14
